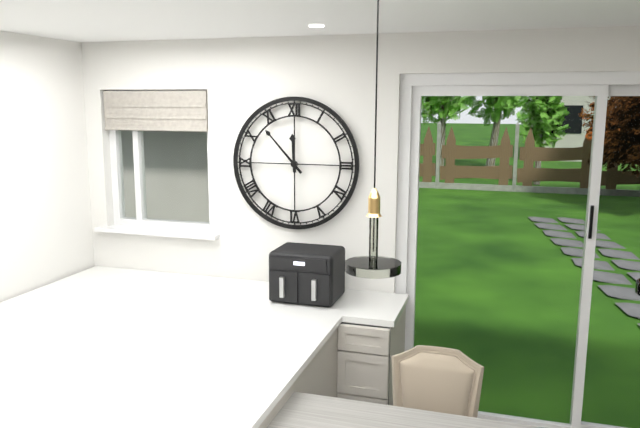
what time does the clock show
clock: 11:53
